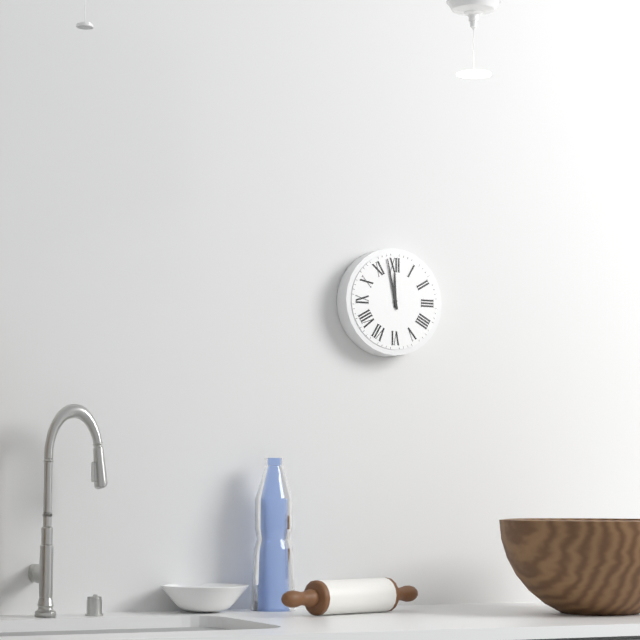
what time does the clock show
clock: 11:58
